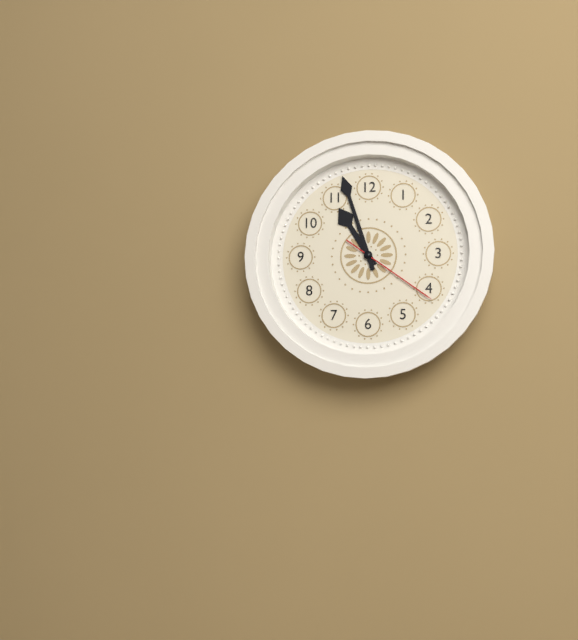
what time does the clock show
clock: 10:57:21
